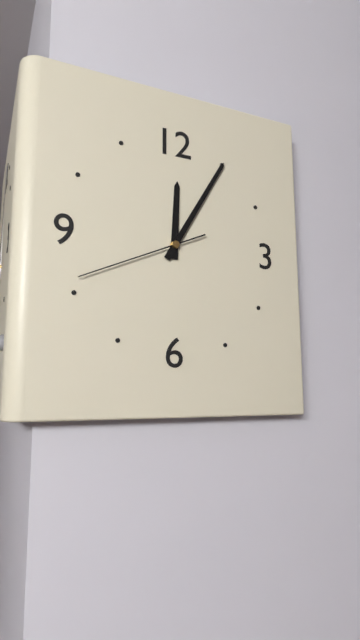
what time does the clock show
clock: 12:05:41
